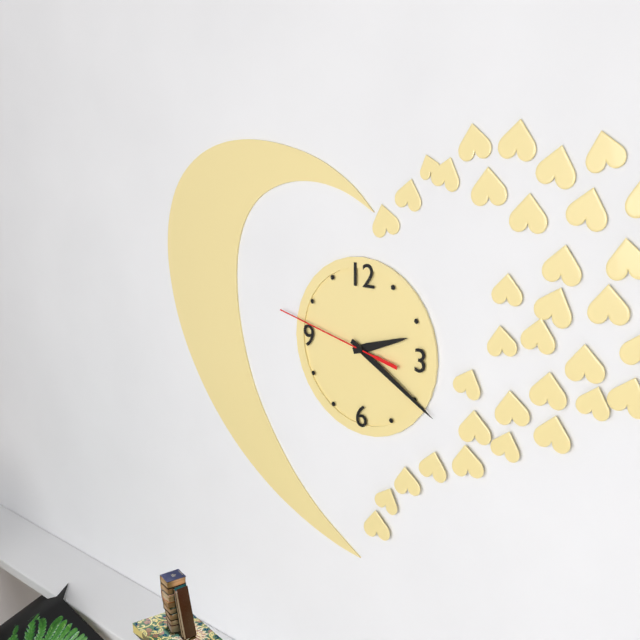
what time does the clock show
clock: 2:20:47
